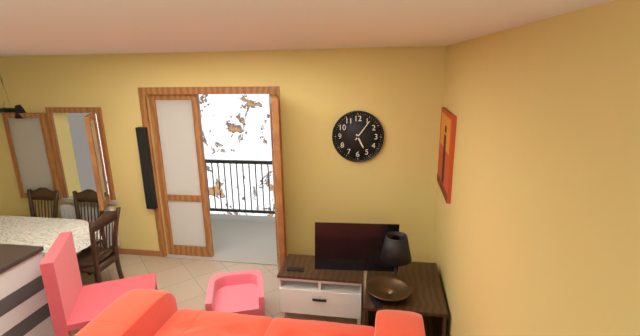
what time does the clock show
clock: 5:06
